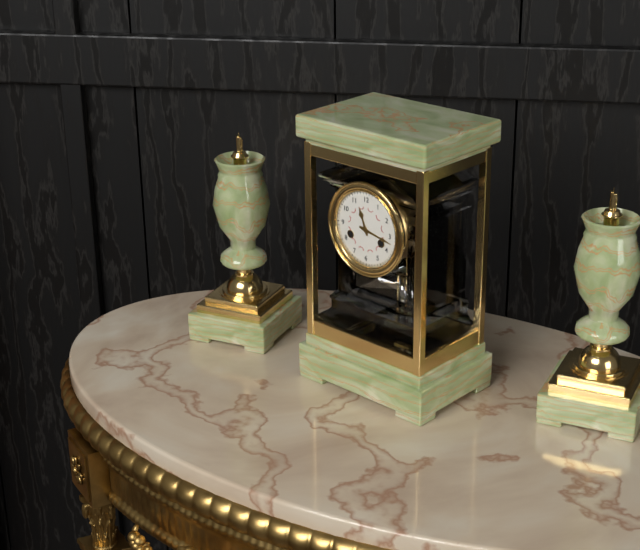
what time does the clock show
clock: 11:17
